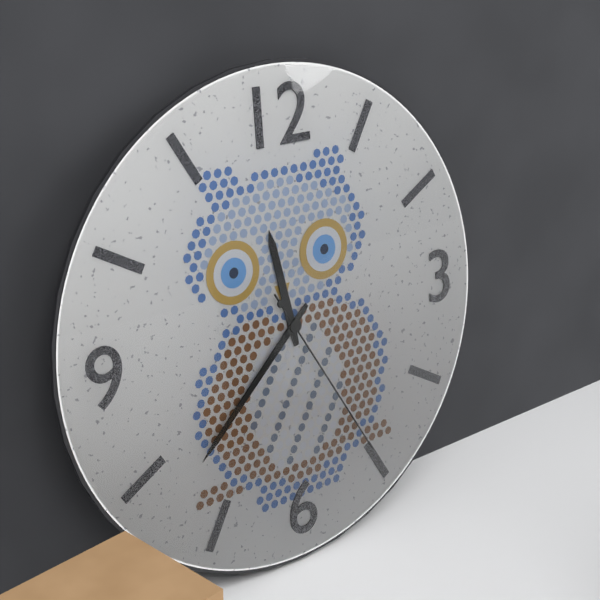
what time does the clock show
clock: 11:38:25
